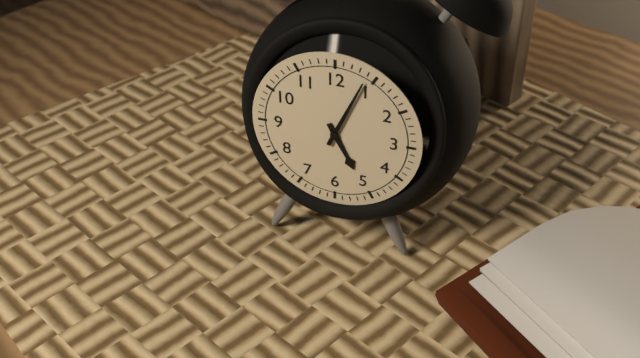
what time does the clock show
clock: 5:04
